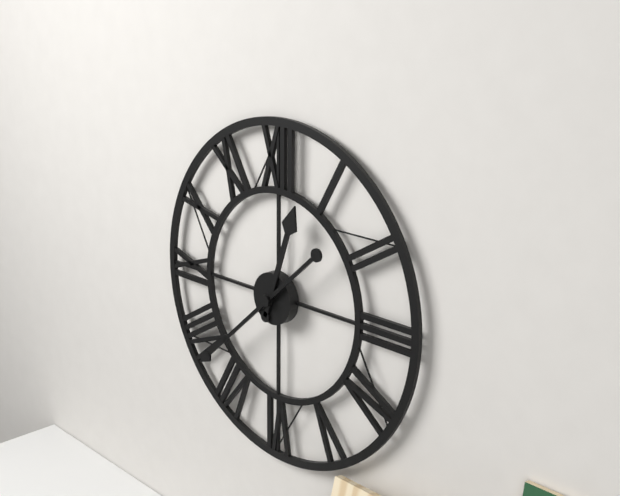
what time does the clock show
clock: 12:38
